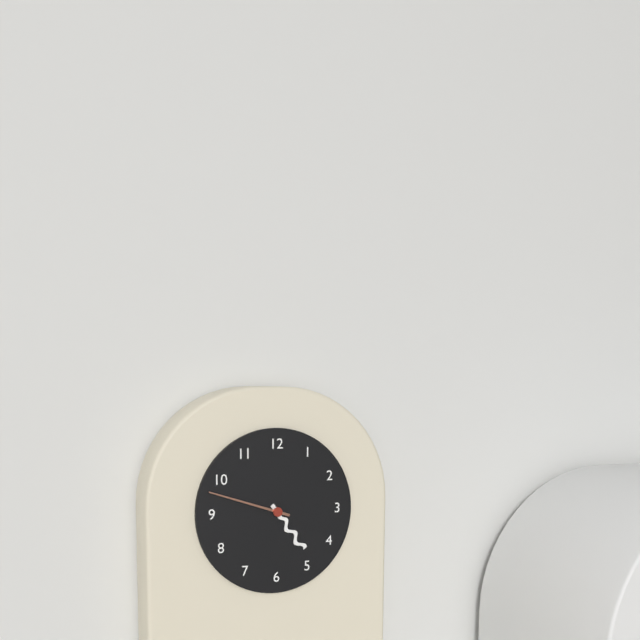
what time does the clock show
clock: 4:48
